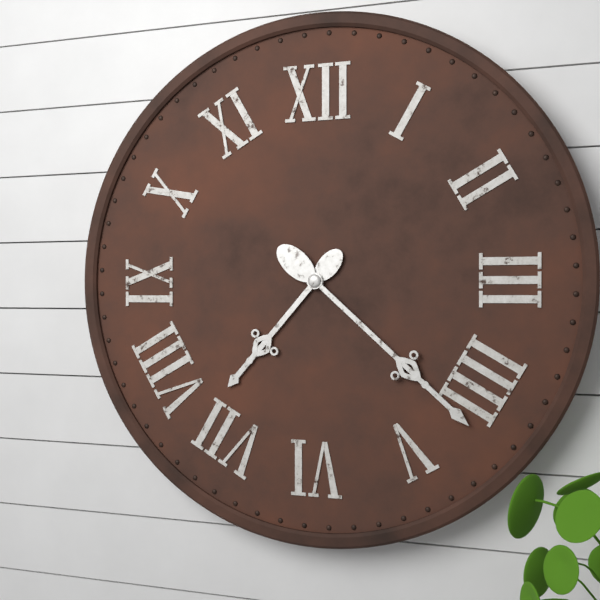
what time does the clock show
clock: 7:22
